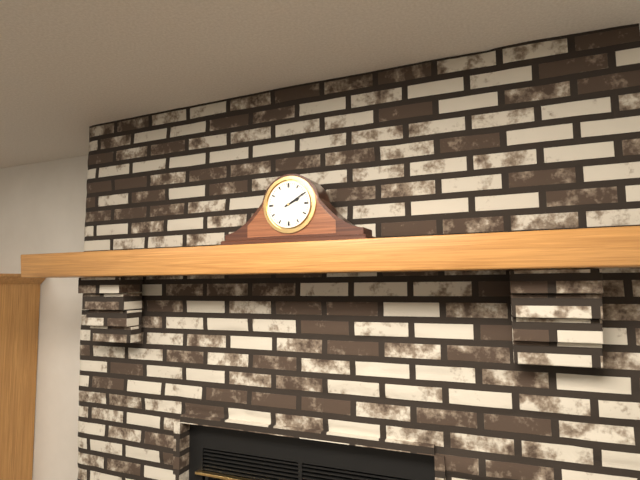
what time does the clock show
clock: 2:10
